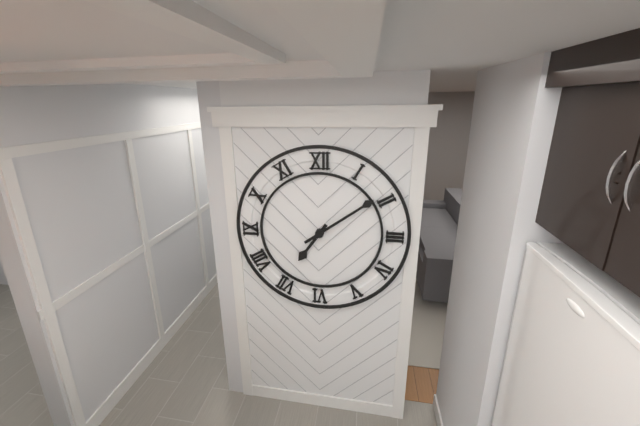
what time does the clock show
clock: 7:09
